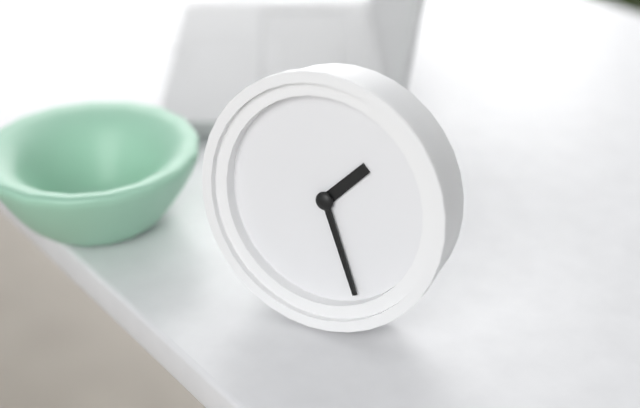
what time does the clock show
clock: 1:26
